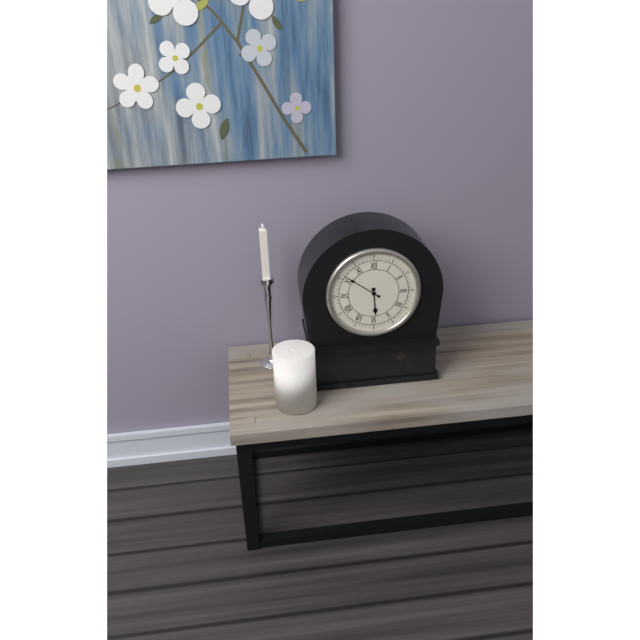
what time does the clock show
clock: 5:51
